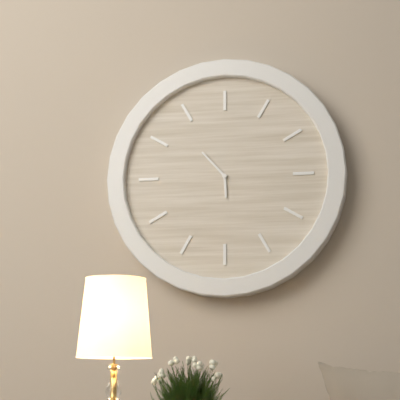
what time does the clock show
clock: 5:53
